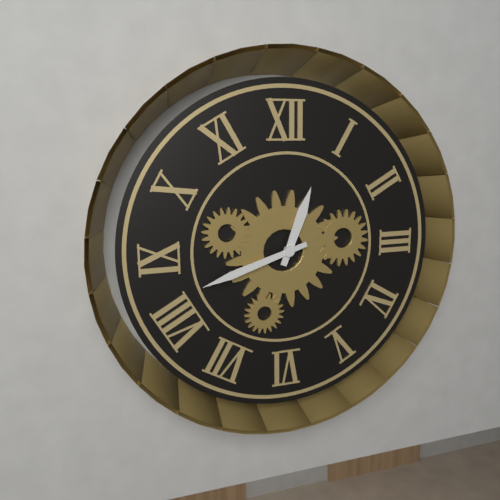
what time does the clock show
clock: 12:42
